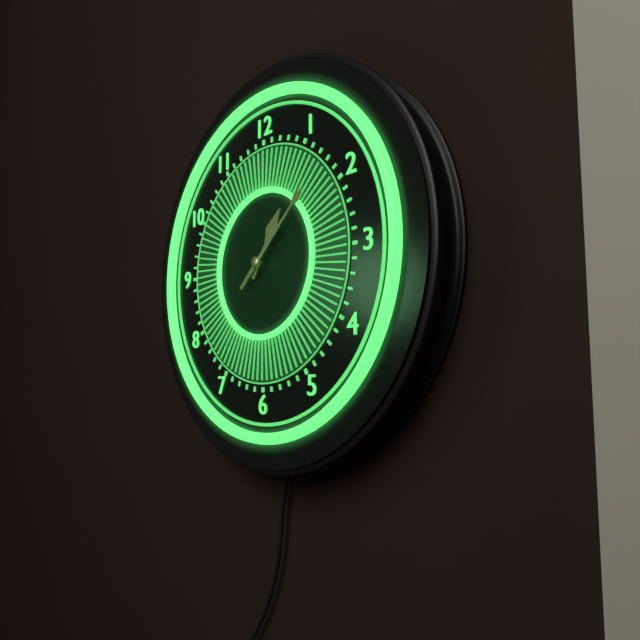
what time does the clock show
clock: 1:08
